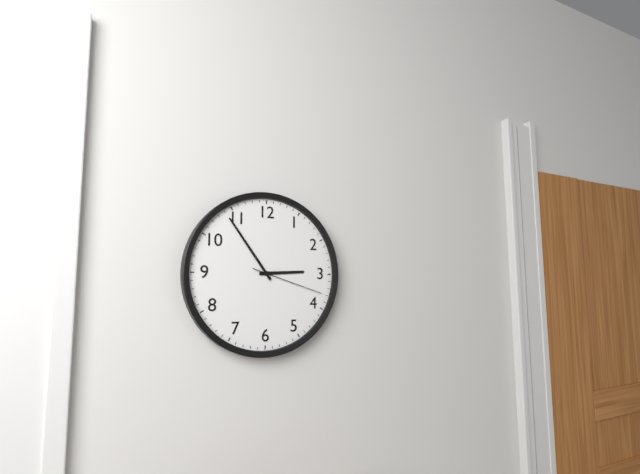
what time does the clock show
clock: 2:54:18
